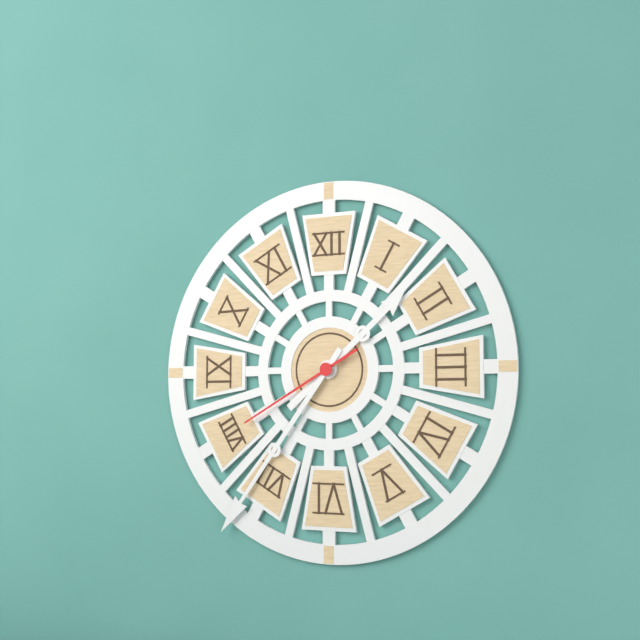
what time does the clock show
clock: 1:36:40
